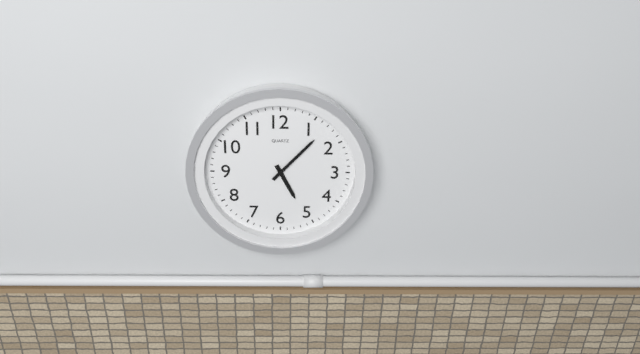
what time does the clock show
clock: 5:07
